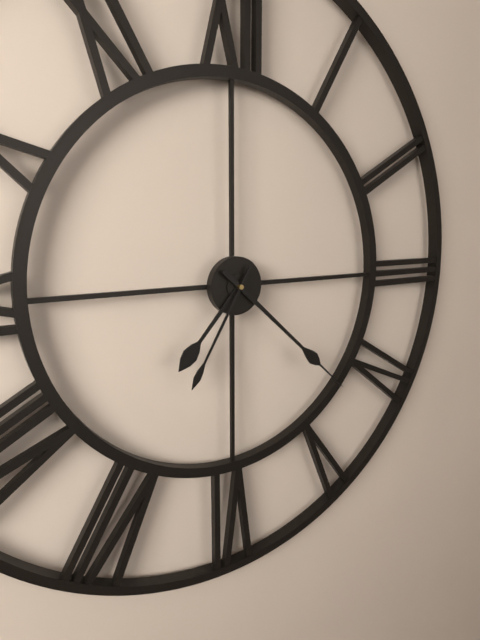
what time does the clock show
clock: 7:22:35
